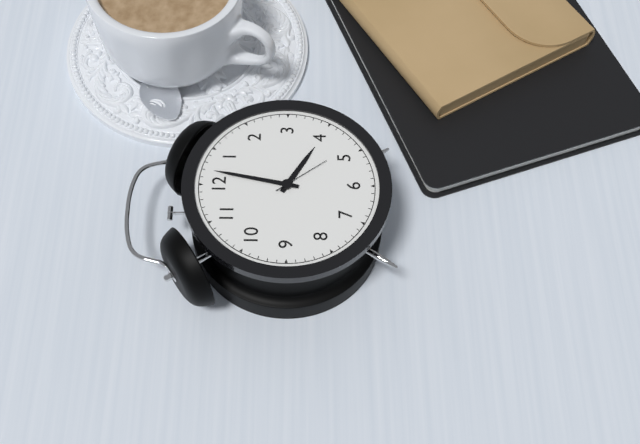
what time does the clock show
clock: 4:02:24
